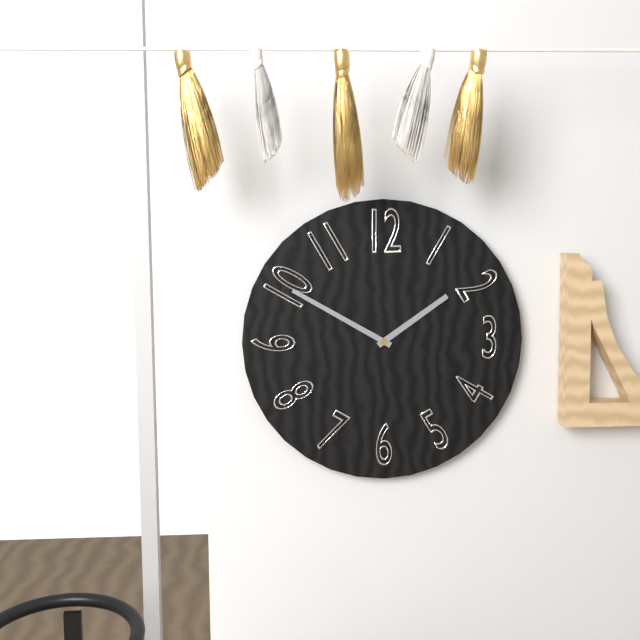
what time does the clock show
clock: 1:50
